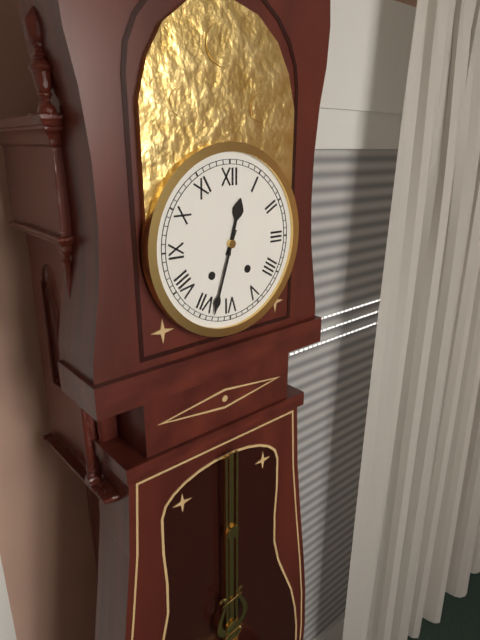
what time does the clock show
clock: 12:33
